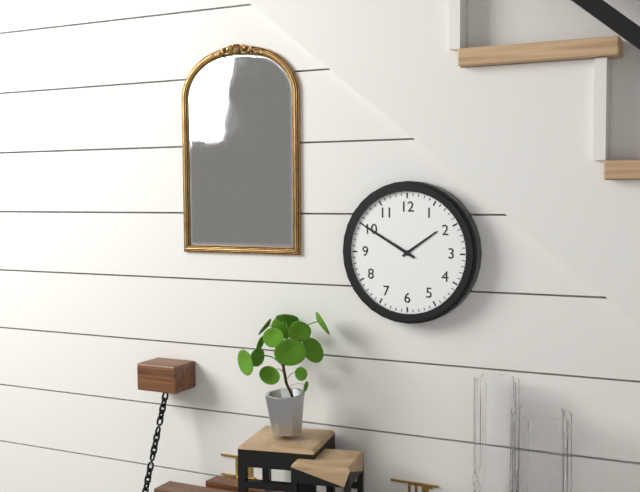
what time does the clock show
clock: 1:50
